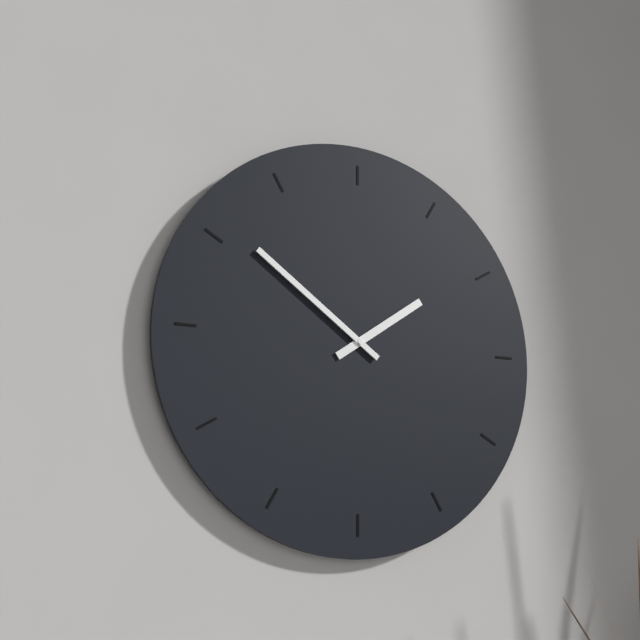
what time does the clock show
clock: 1:51
